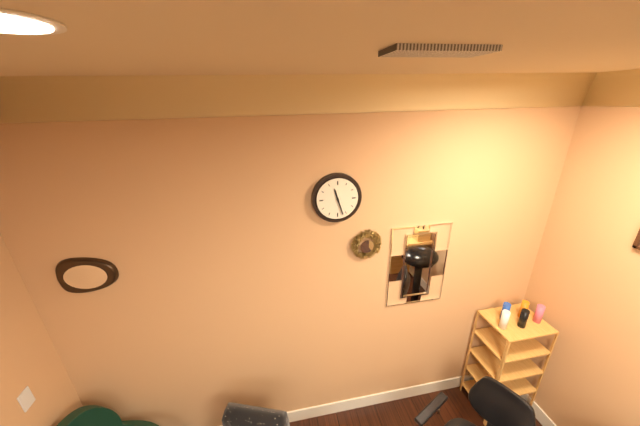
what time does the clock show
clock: 11:27
